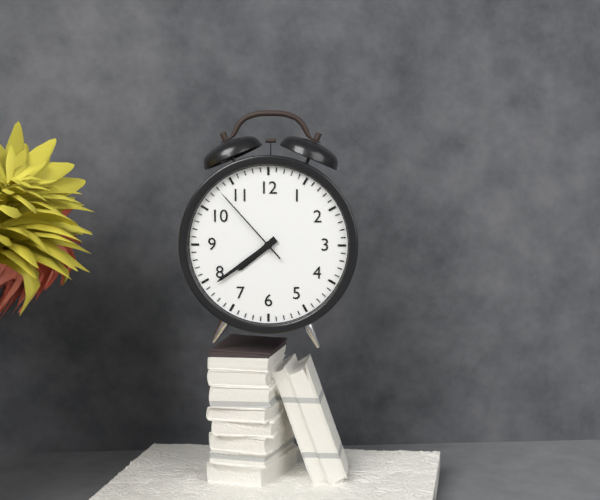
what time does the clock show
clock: 7:39:53
